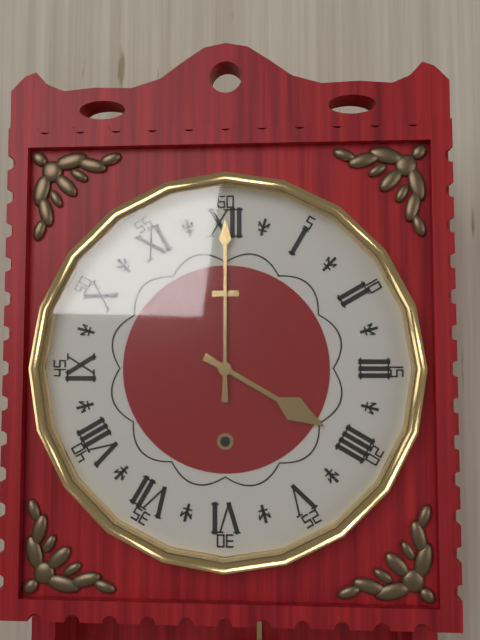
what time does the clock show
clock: 4:00
